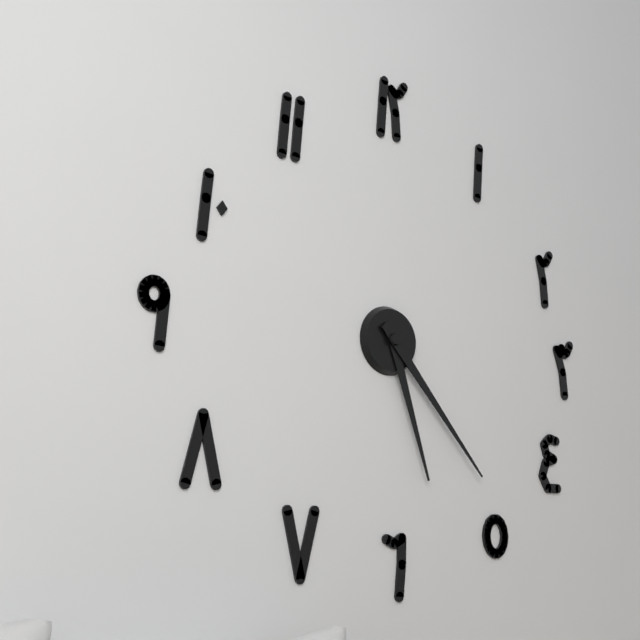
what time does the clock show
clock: 5:23
